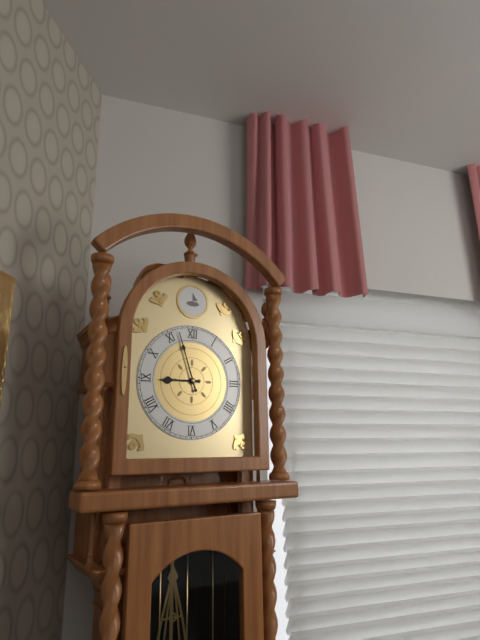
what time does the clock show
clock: 8:57
